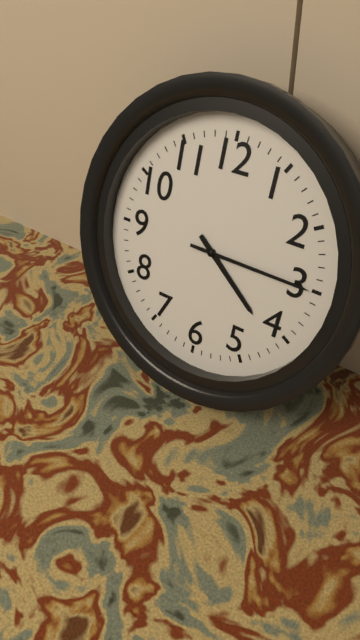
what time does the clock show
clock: 4:15
